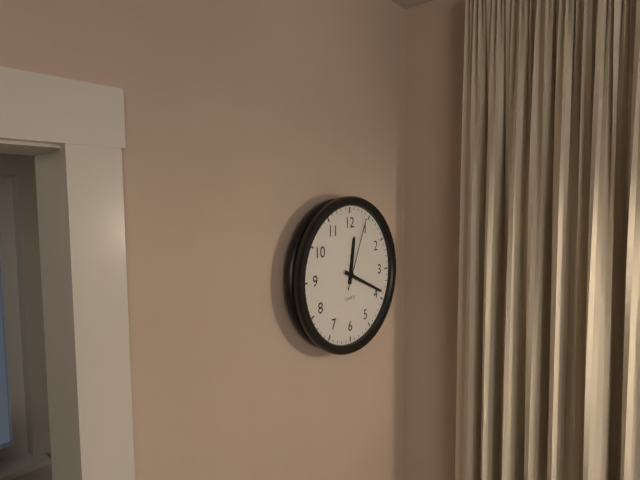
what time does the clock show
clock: 12:19:04
